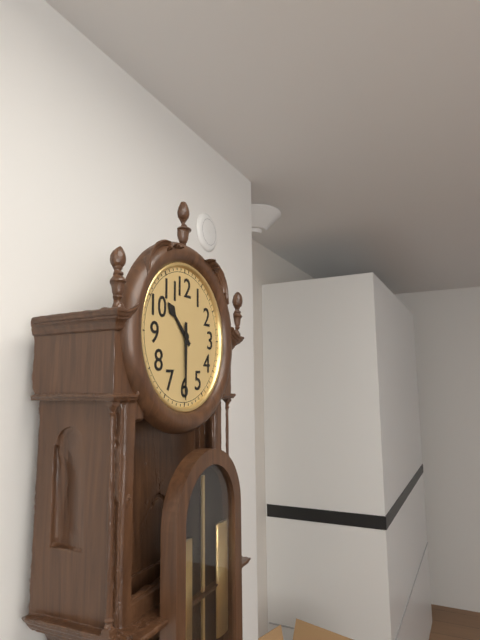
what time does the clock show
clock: 10:30
